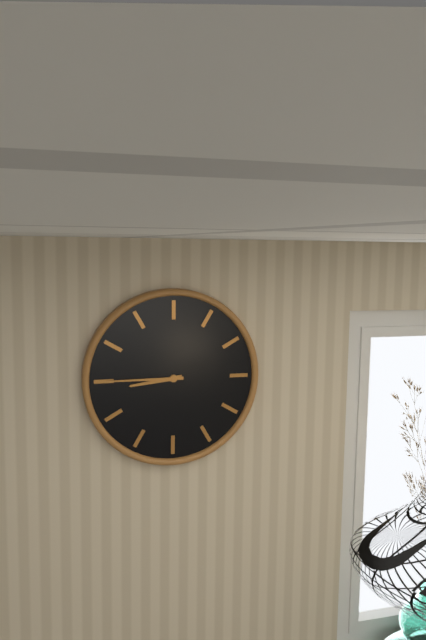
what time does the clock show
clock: 8:45
